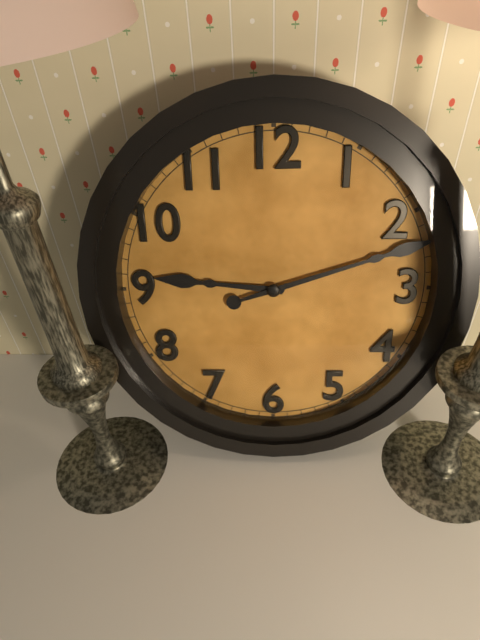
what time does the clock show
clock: 9:12
